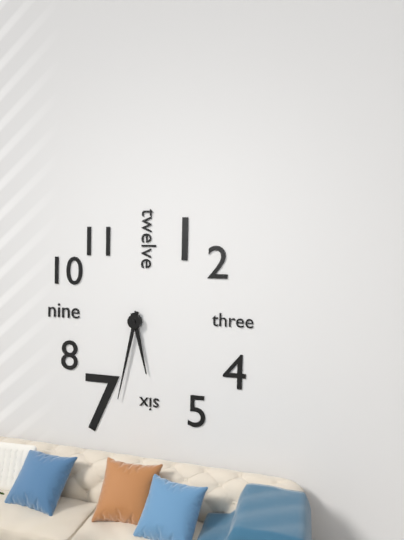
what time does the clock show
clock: 5:32
